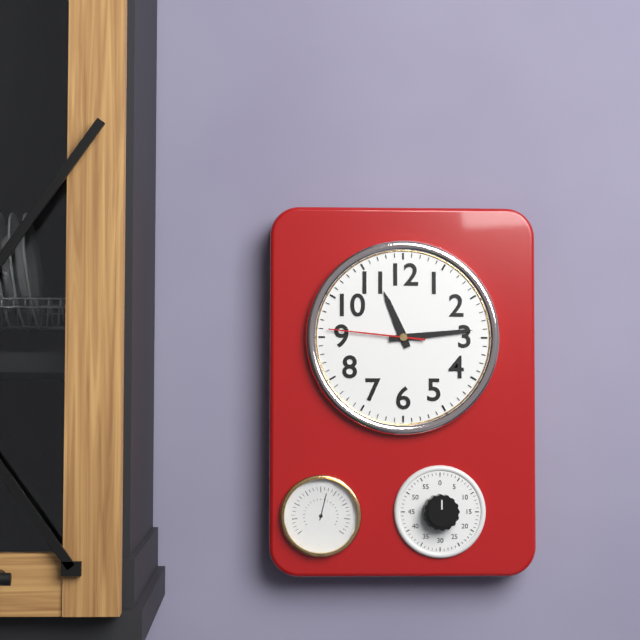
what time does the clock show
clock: 11:14:46
